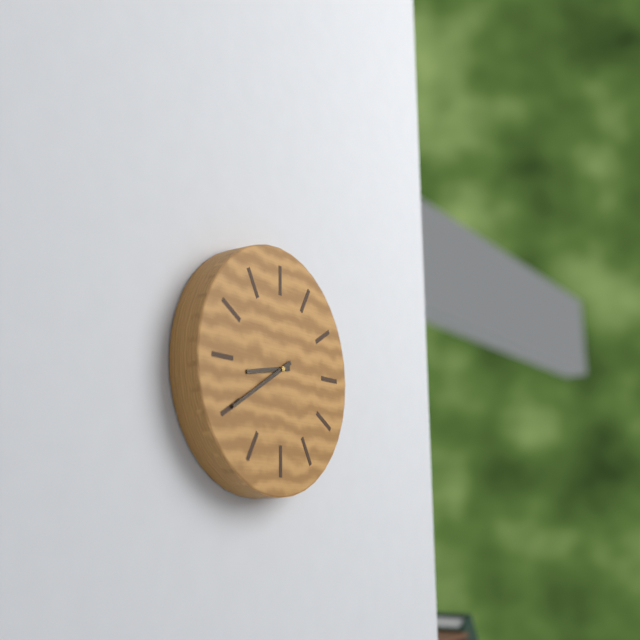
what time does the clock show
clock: 8:40
